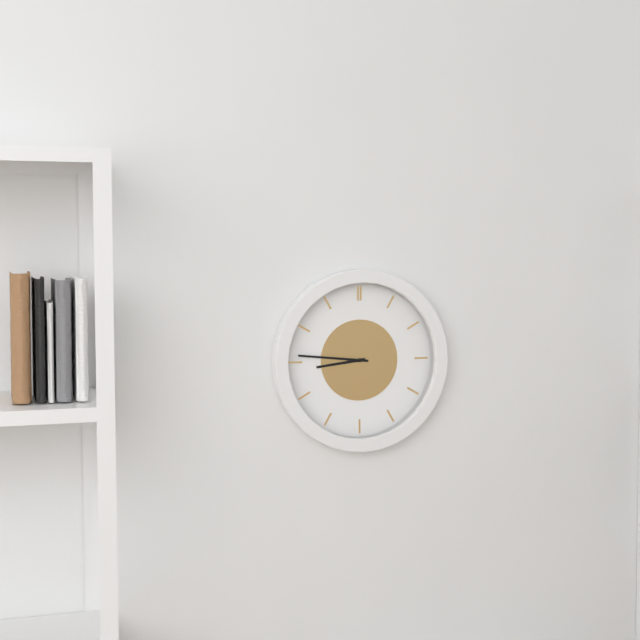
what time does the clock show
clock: 8:46
